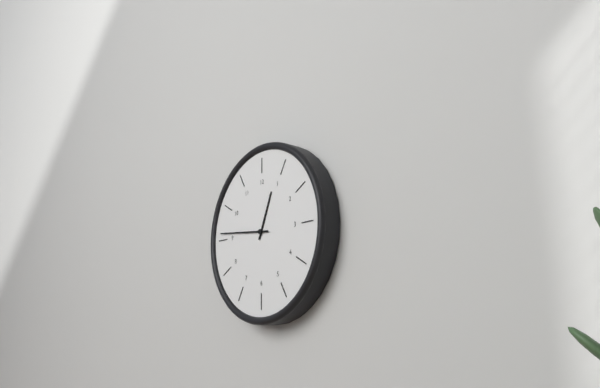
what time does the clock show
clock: 12:46
